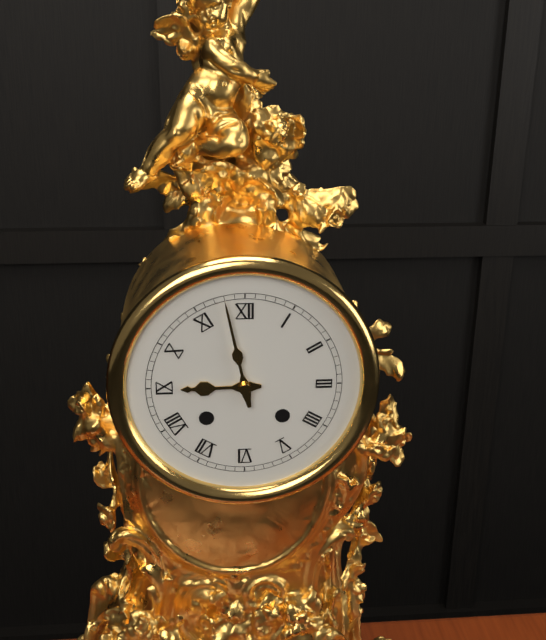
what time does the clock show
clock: 8:58
